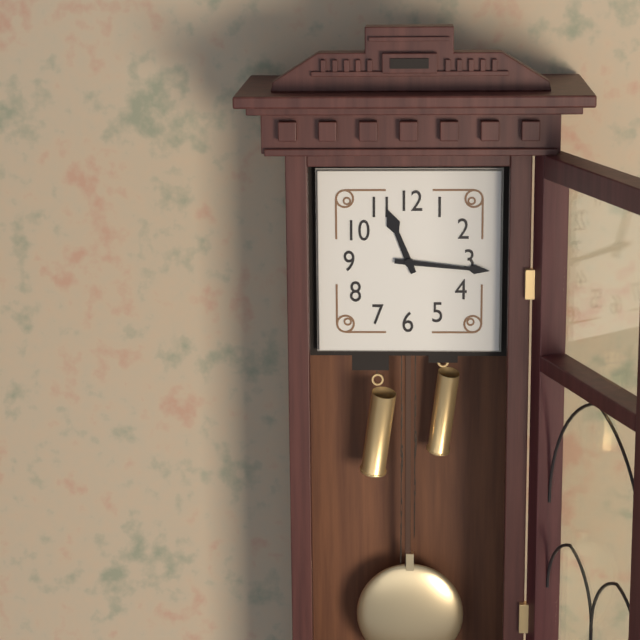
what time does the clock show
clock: 11:16
